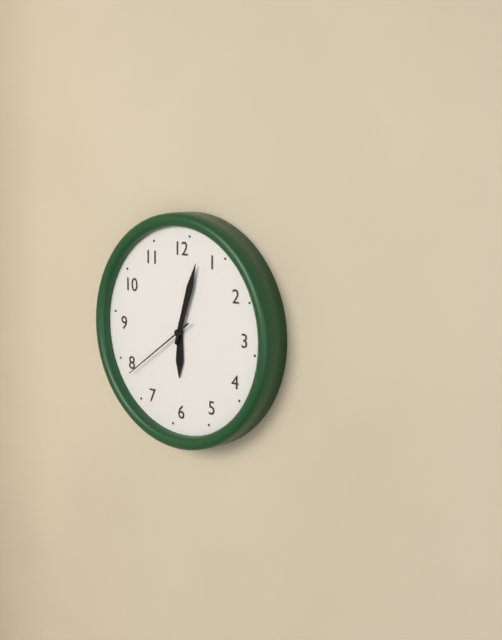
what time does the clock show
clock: 6:03:39
